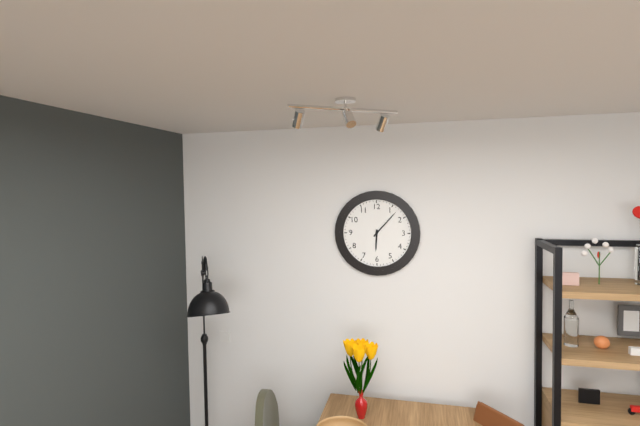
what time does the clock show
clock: 6:07
